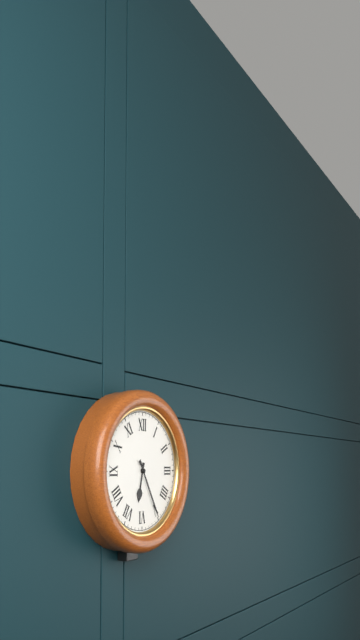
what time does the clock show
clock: 6:25
